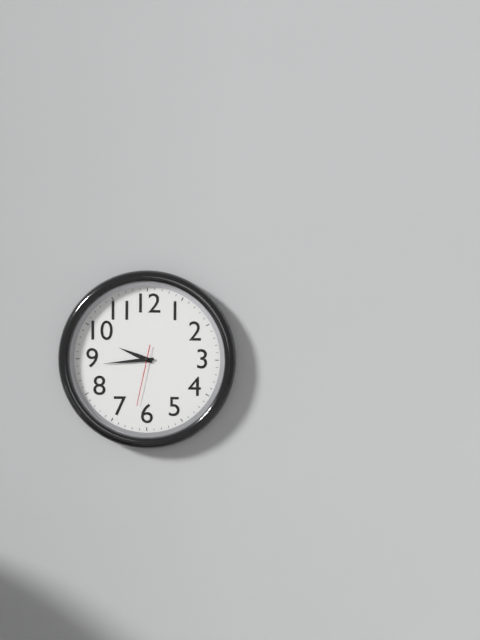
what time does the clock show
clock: 9:44:32
